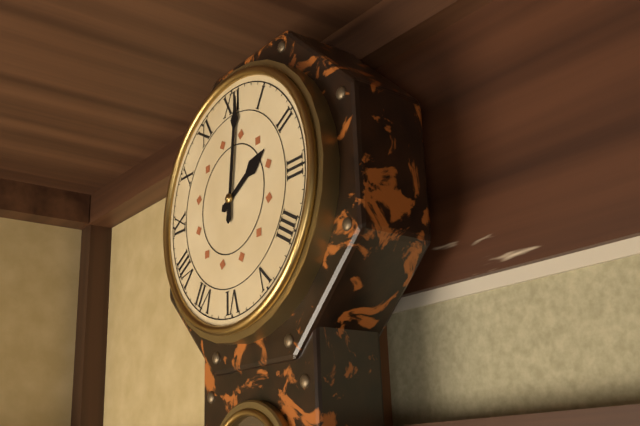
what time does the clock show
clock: 2:01
